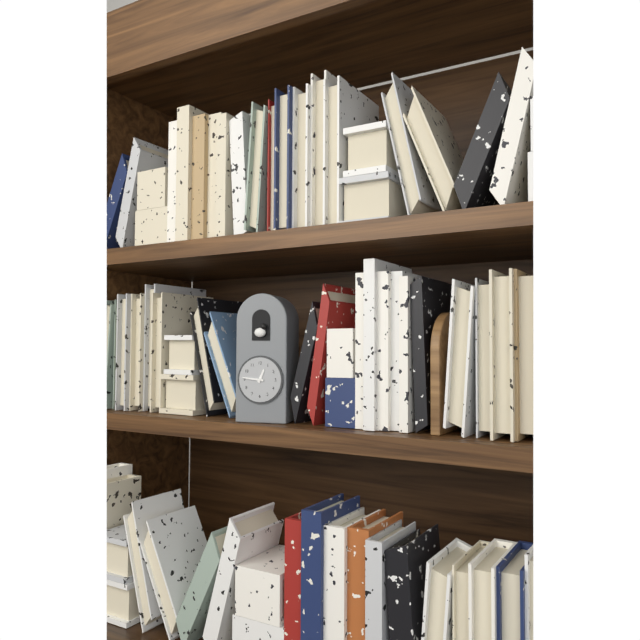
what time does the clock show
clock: 12:46
